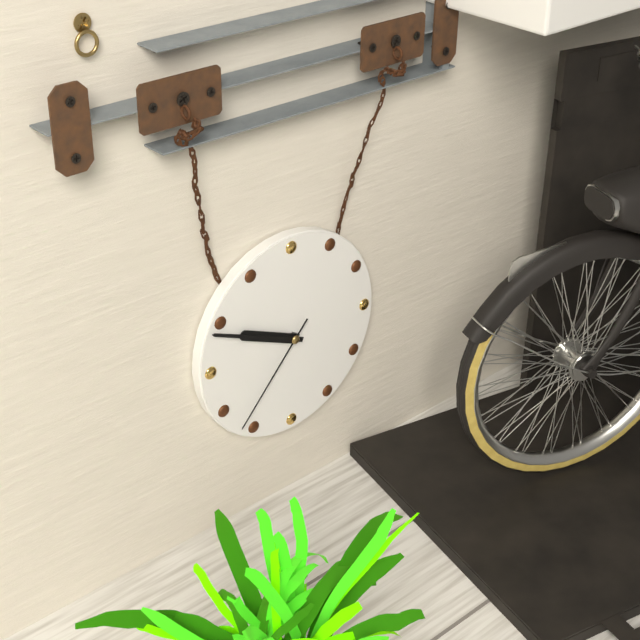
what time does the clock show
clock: 9:49:37
